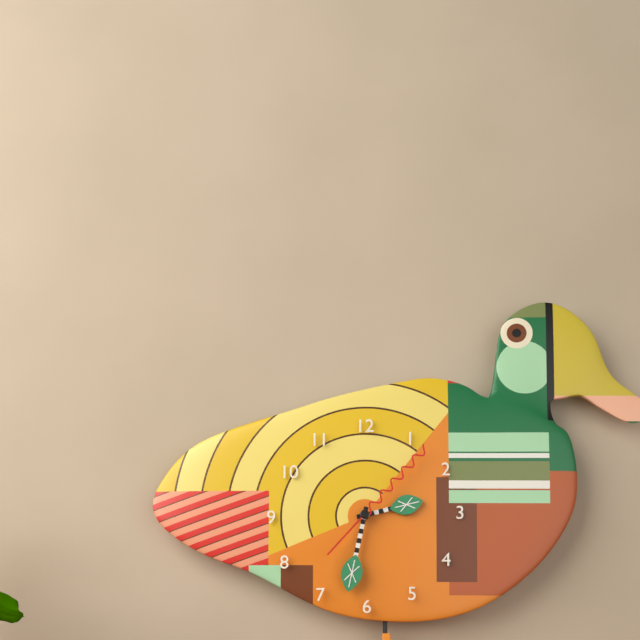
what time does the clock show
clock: 2:32:07
